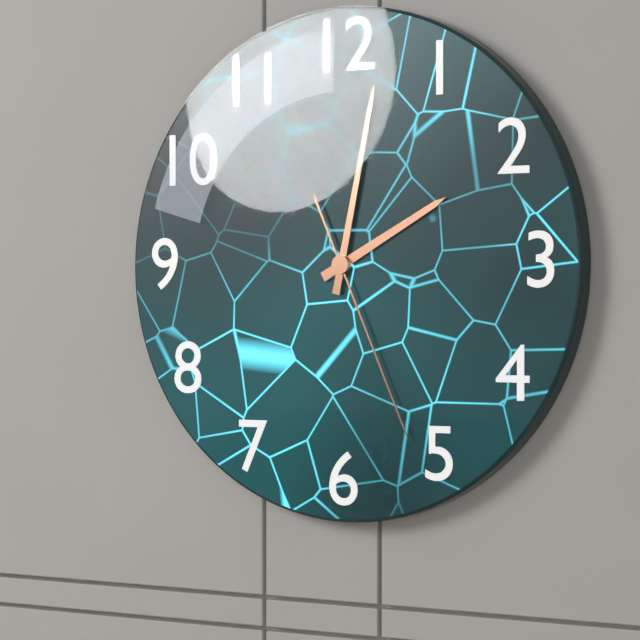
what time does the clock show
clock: 2:02:26
